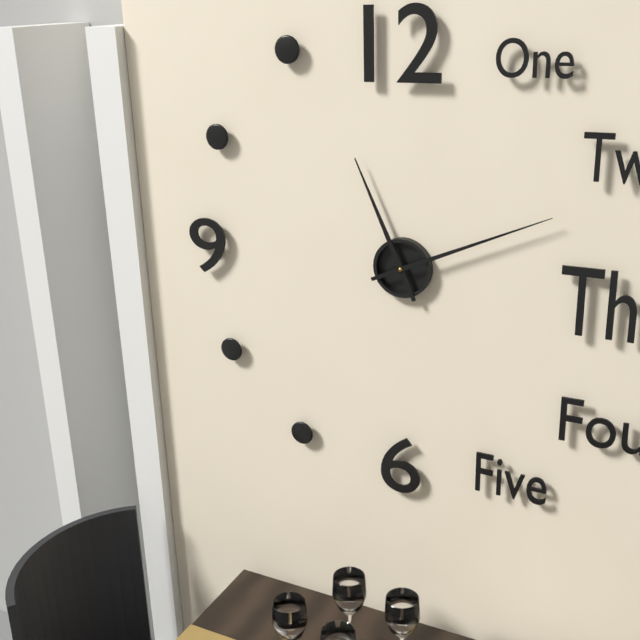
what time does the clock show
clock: 11:11
